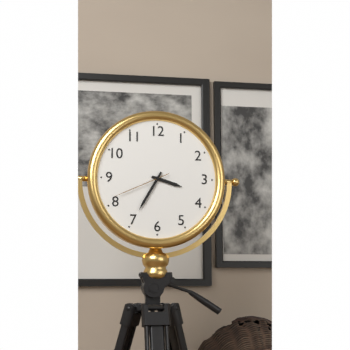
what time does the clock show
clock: 3:35:41
